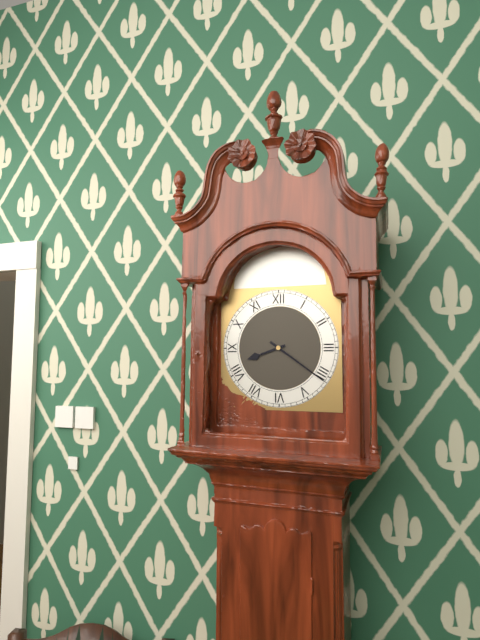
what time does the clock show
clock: 8:21
